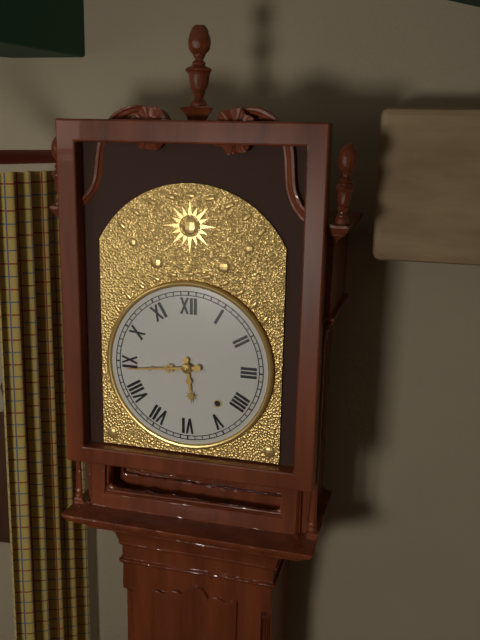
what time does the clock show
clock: 5:44
